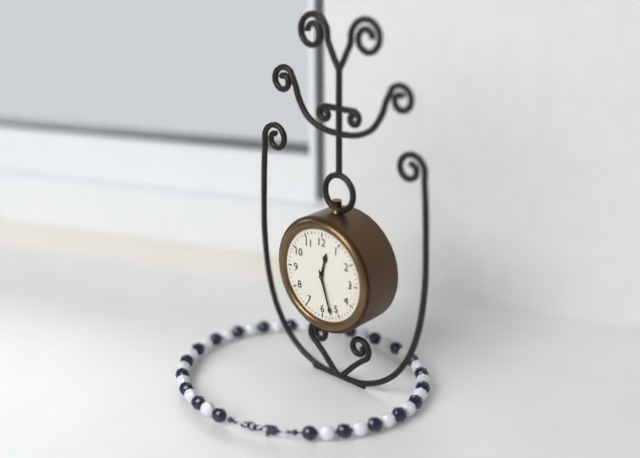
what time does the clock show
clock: 12:27
